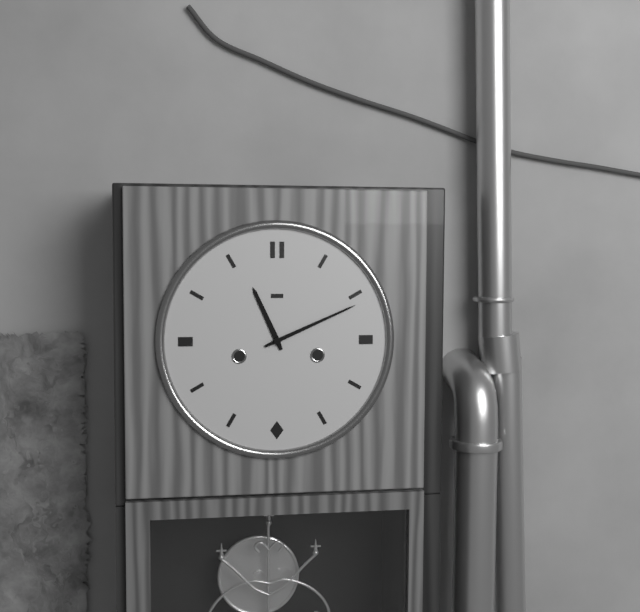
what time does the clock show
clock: 11:11
